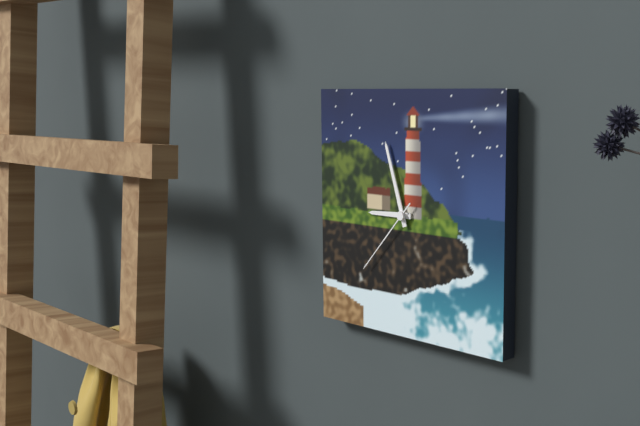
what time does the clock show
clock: 8:57:37
